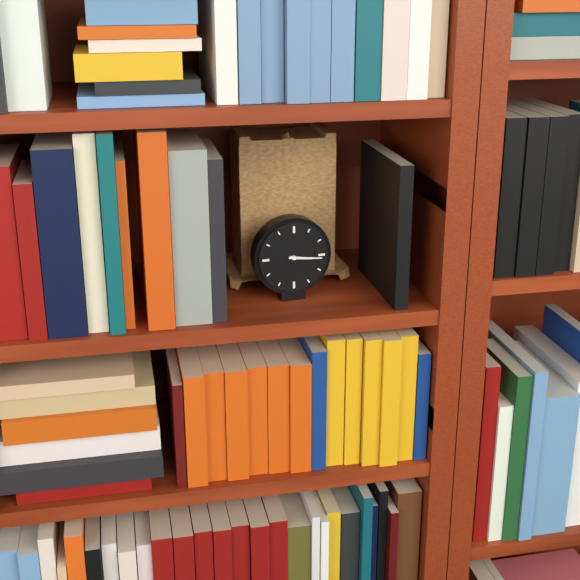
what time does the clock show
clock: 3:16
